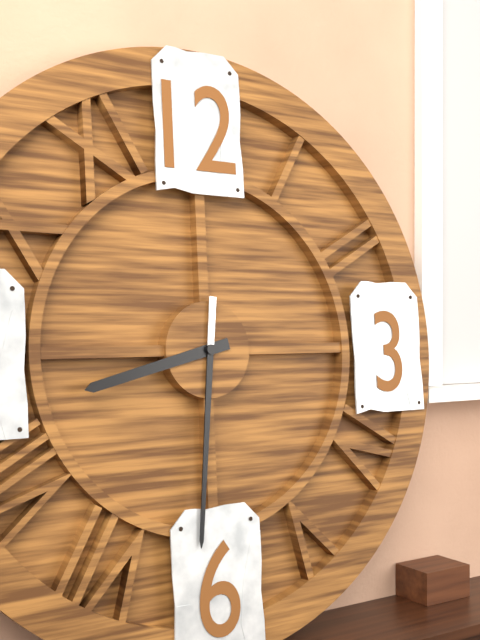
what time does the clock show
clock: 8:31
